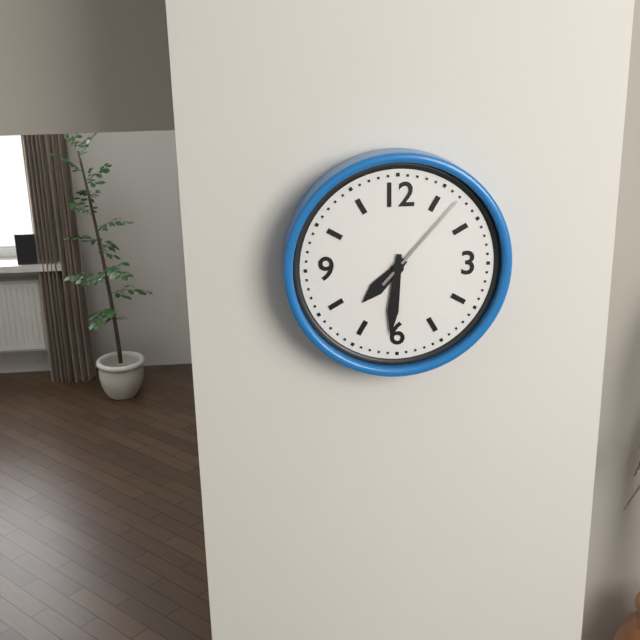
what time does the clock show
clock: 7:31:07
